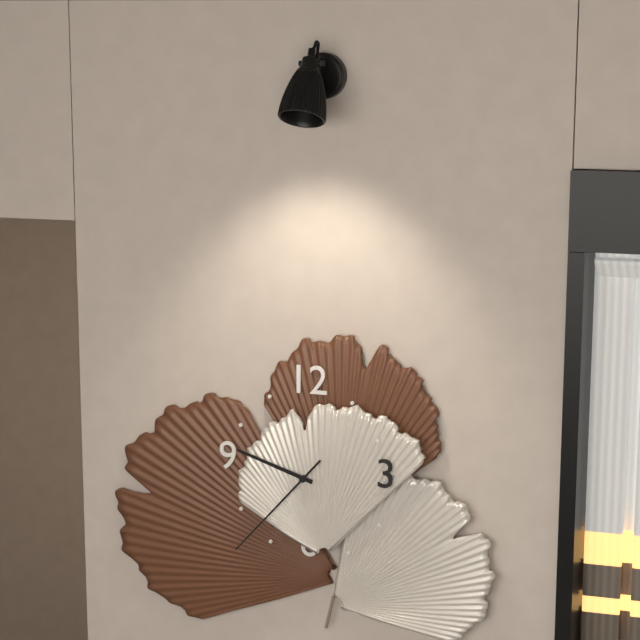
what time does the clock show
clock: 9:37
